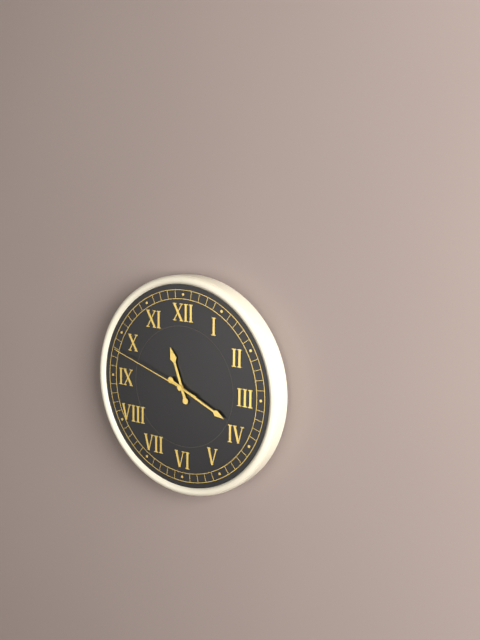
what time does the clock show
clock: 11:19:48
